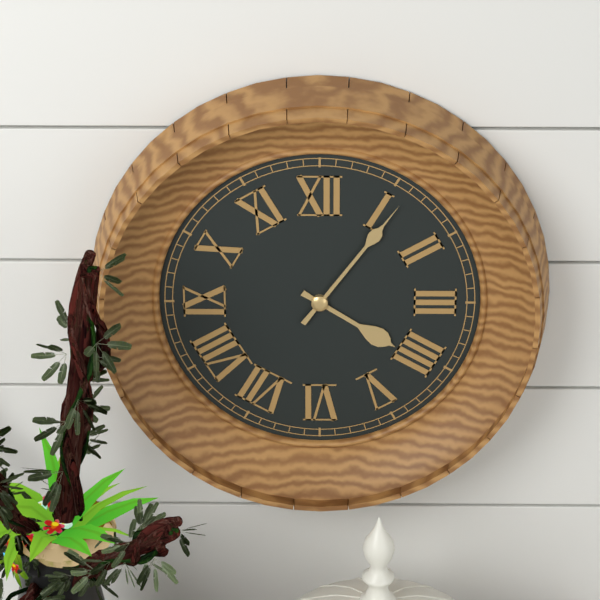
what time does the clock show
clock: 4:06
